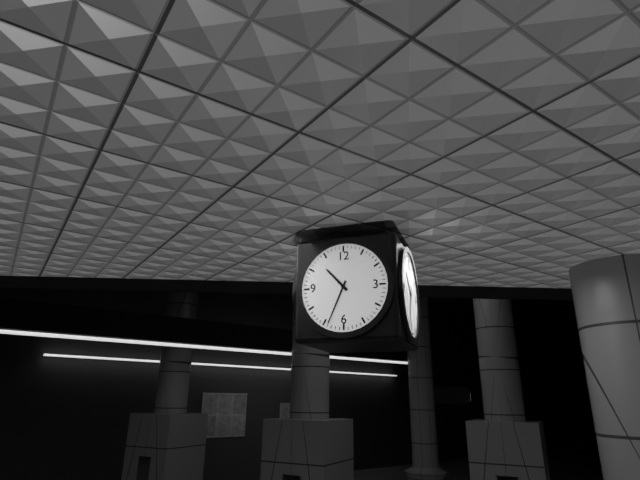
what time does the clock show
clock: 10:34
